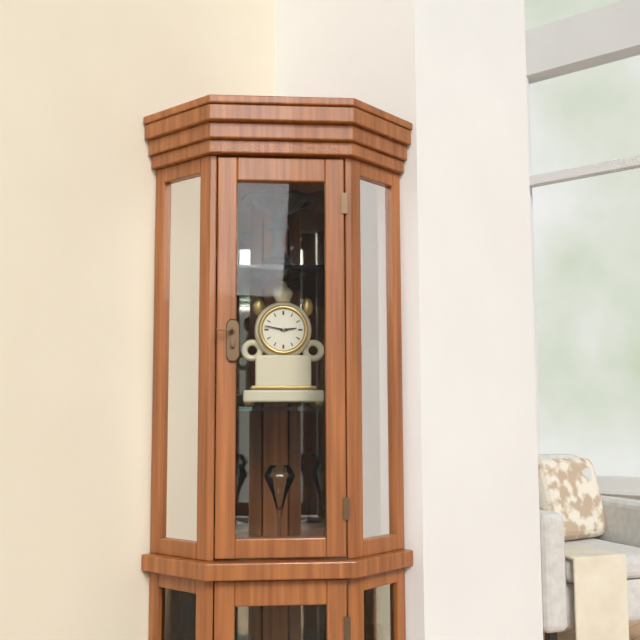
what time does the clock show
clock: 2:47
